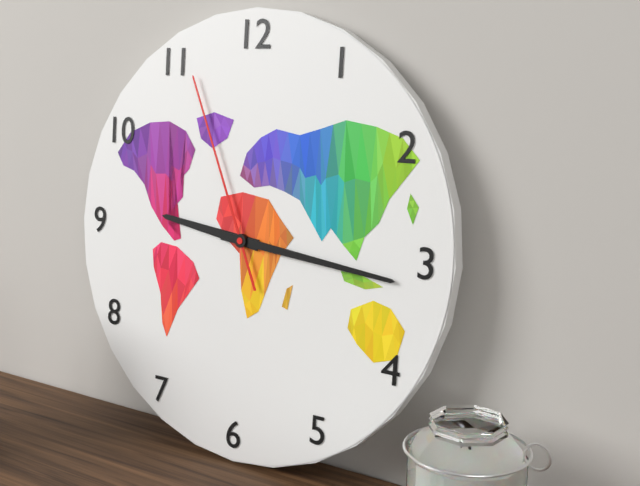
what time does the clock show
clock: 9:16:56
